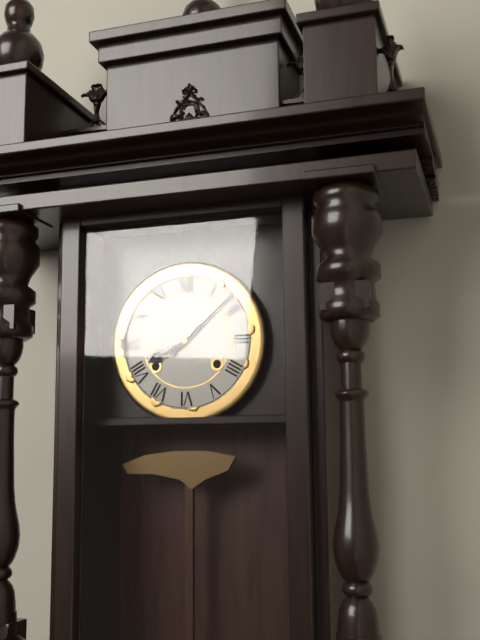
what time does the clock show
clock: 8:08
